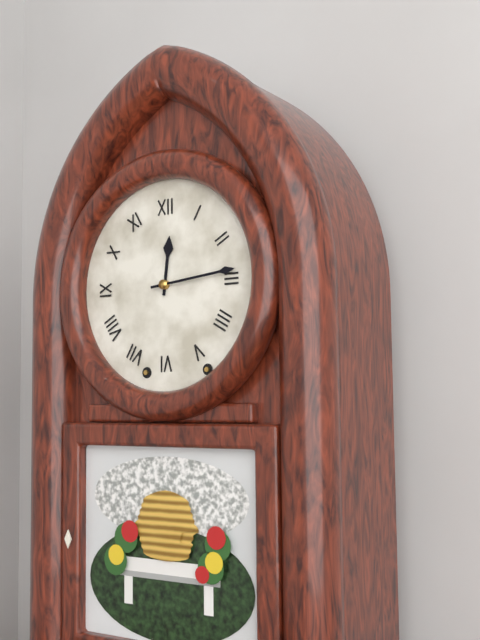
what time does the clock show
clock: 12:14
